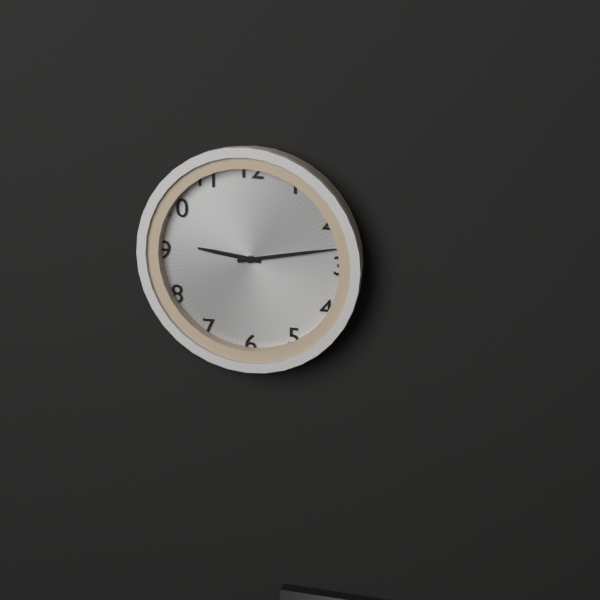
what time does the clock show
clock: 9:13
